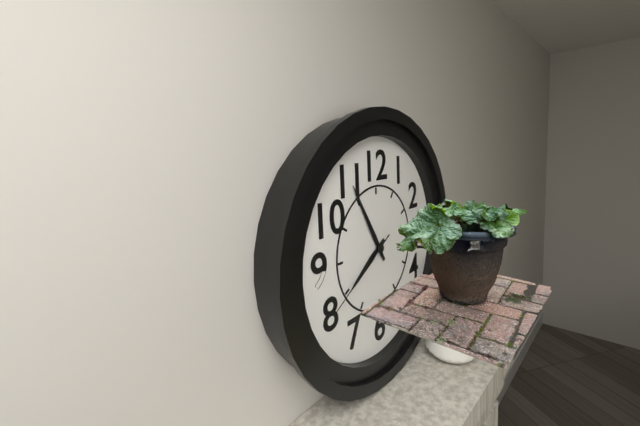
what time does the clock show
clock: 7:55:40
